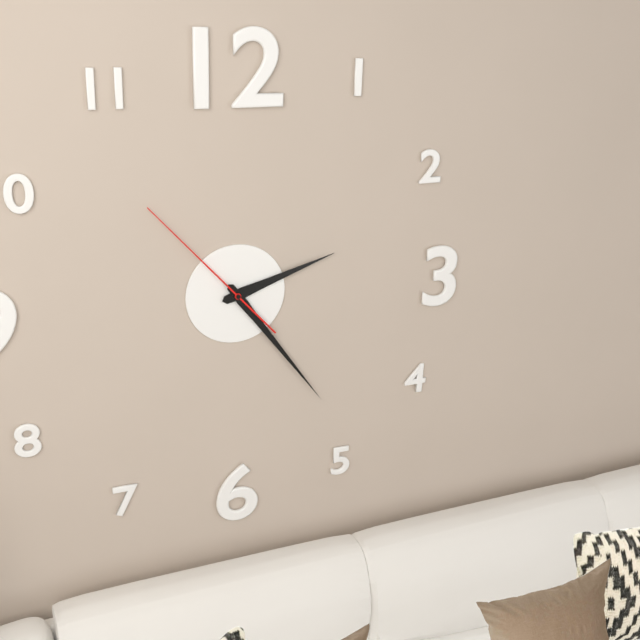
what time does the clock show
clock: 2:24:53
